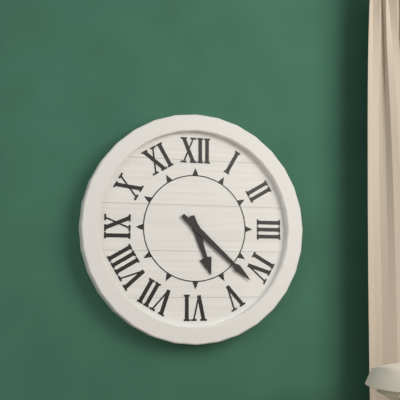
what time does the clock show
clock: 5:22
